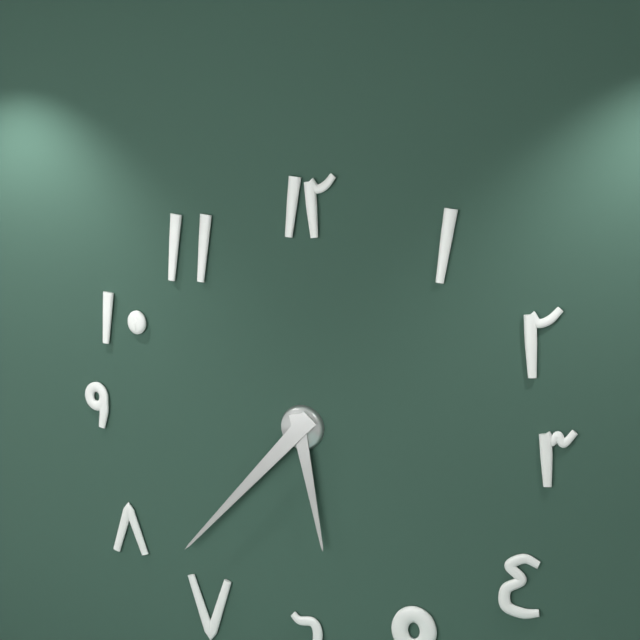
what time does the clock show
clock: 5:37
